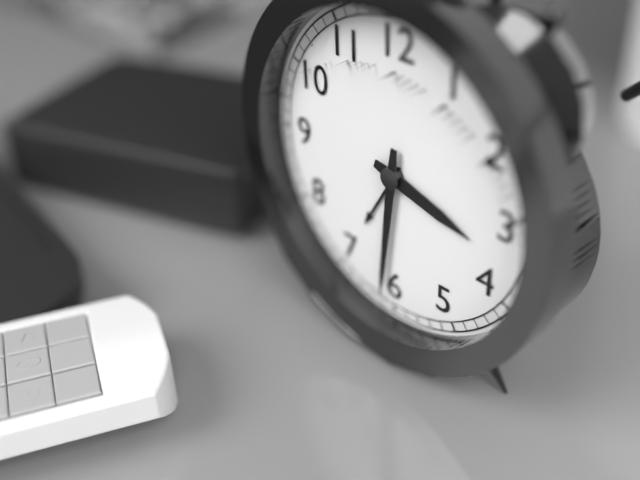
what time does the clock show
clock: 3:31
